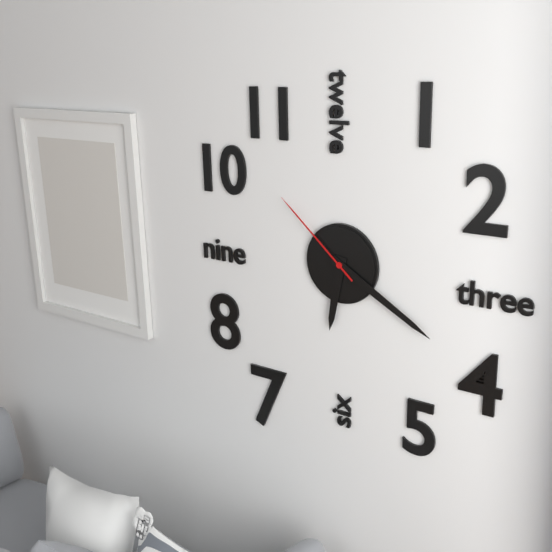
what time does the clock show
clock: 6:20:52
